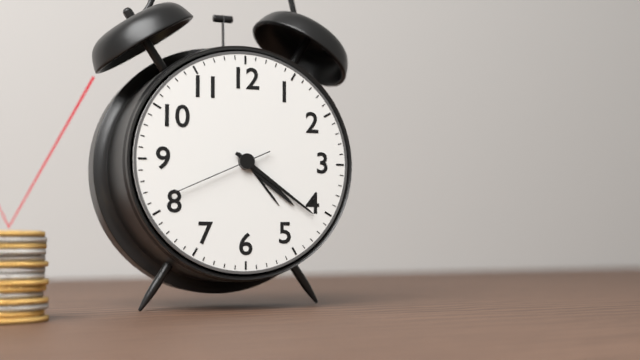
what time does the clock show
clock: 4:21:41
